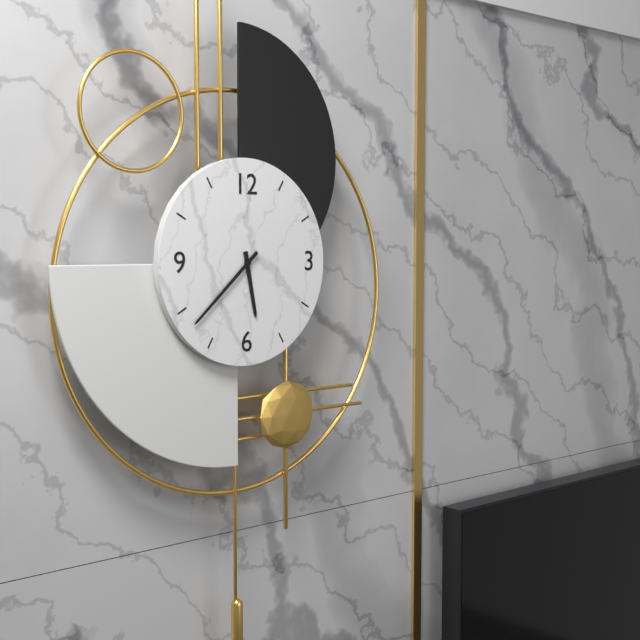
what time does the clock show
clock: 5:38
